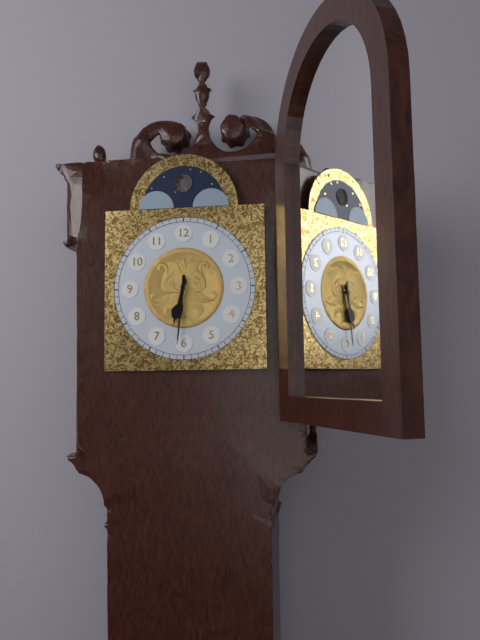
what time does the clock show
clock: 6:31
